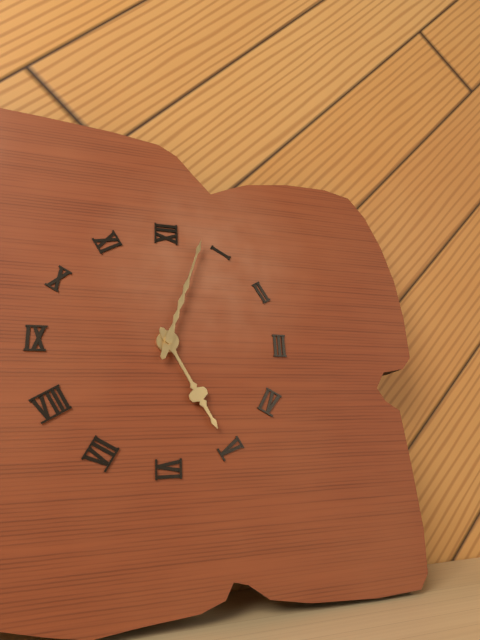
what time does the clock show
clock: 5:03
